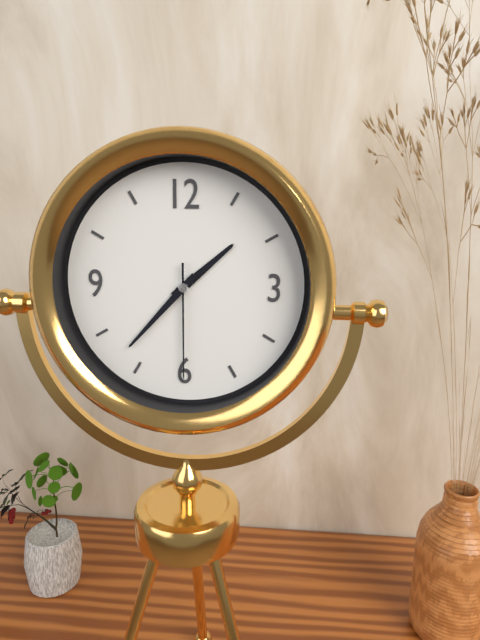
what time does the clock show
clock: 1:37:30
